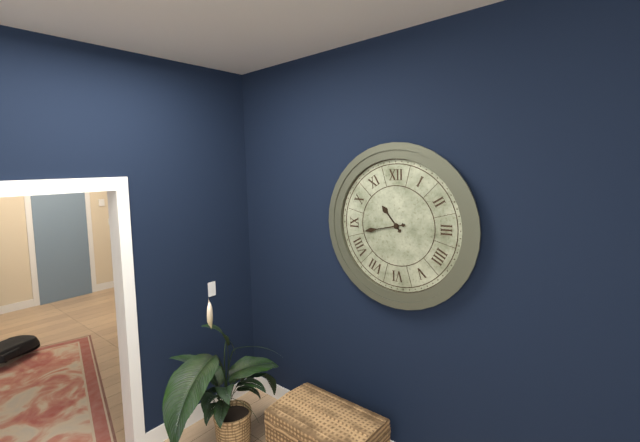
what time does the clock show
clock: 10:43
